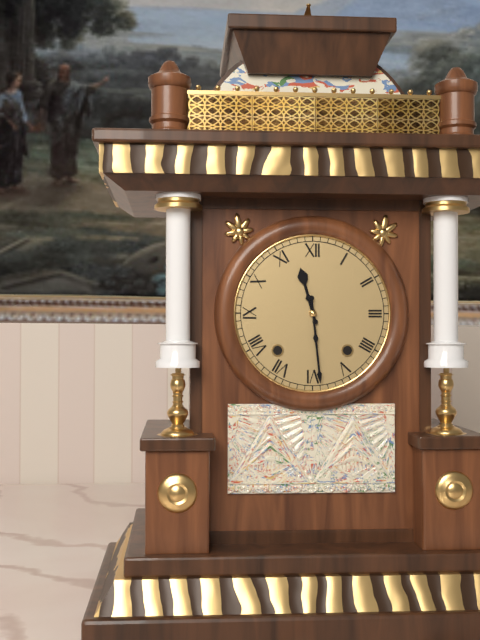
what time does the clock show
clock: 11:29
